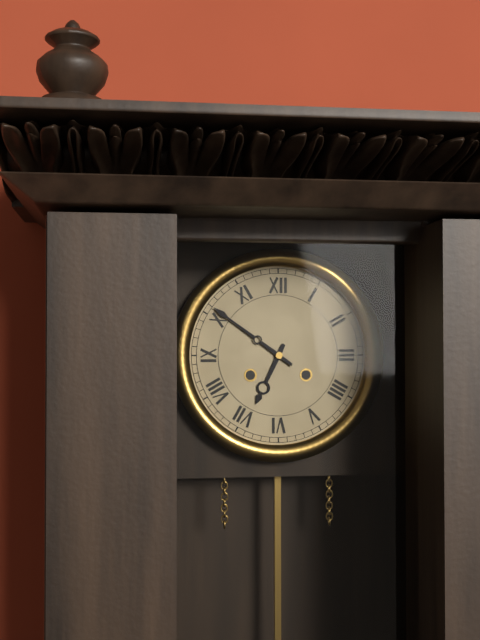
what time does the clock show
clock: 6:51
